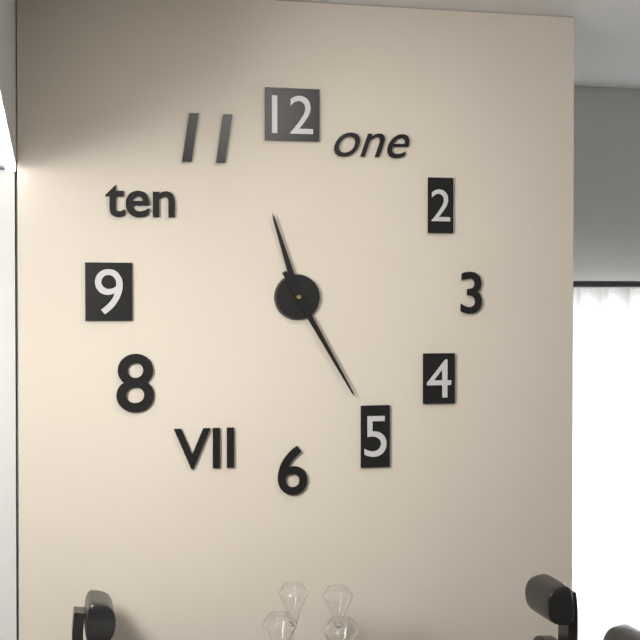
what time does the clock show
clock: 11:25
